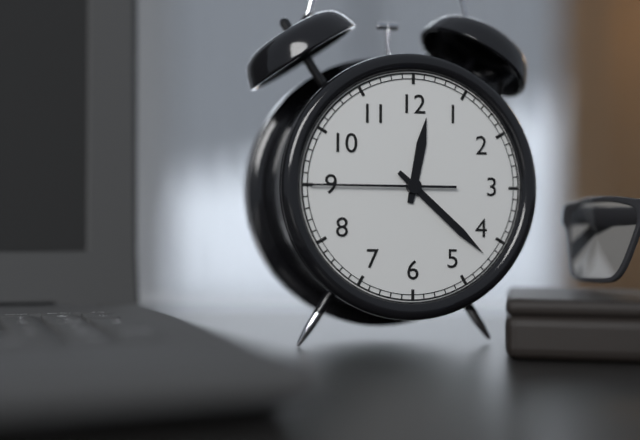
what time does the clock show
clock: 12:22:45
